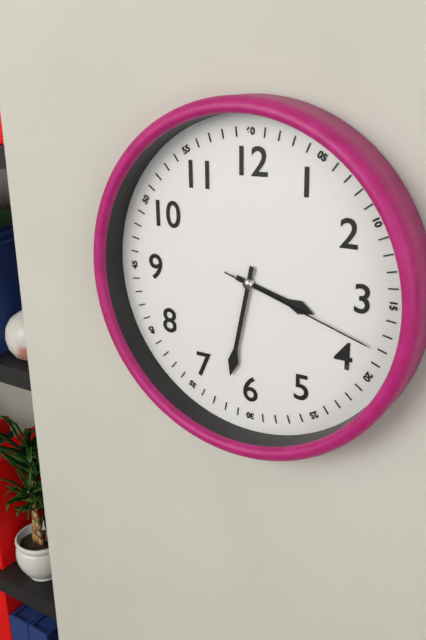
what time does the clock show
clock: 3:32:18
